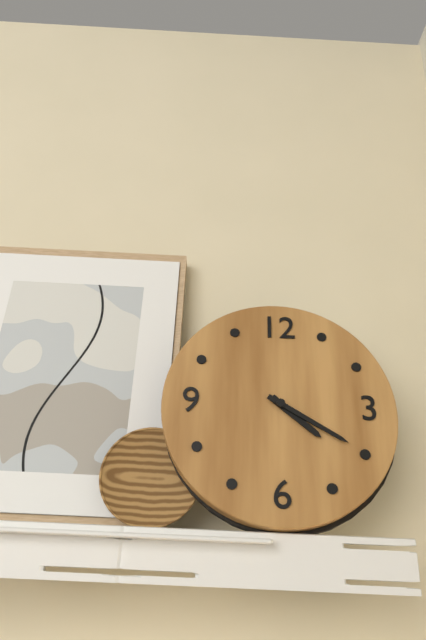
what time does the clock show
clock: 4:20
